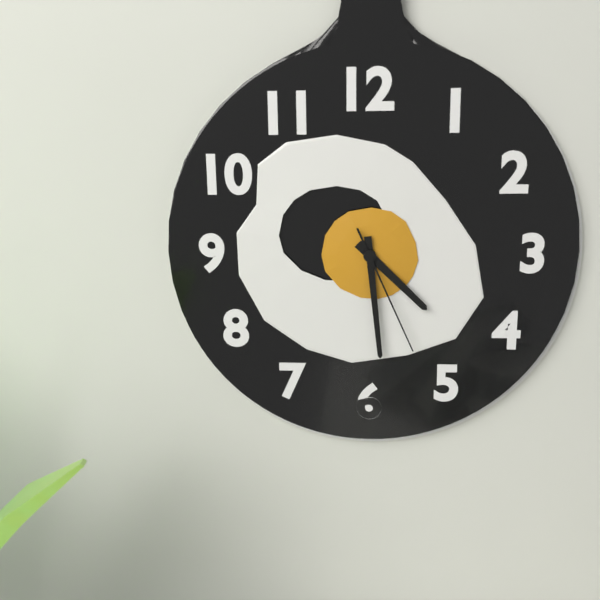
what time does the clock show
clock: 4:29:26
